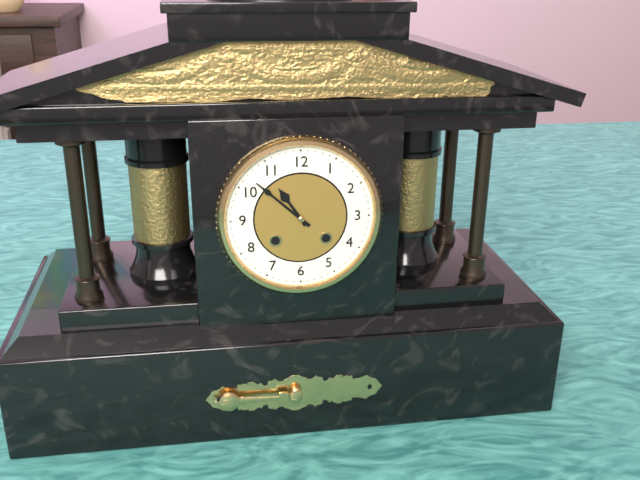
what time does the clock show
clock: 10:52
